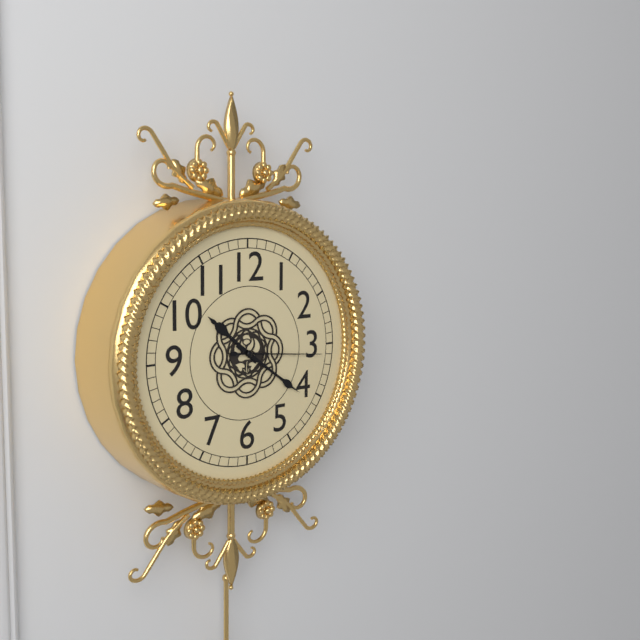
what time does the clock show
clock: 10:21:16
